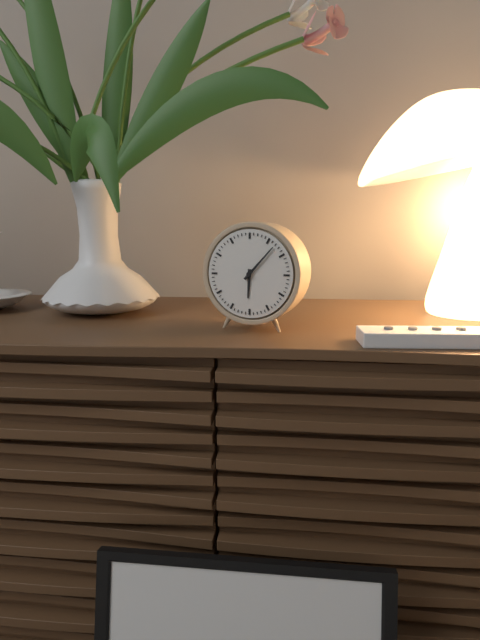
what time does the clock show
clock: 6:07
